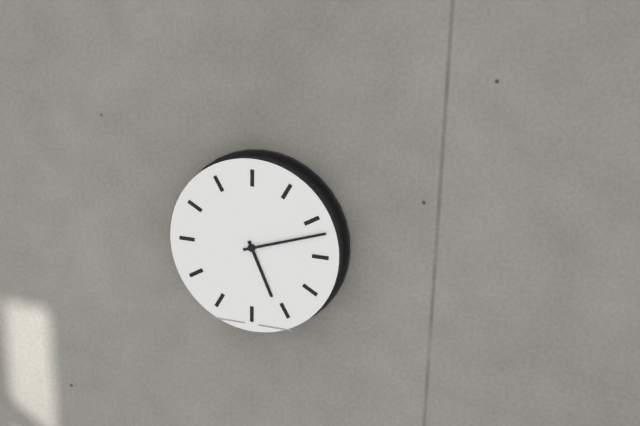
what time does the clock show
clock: 5:12
